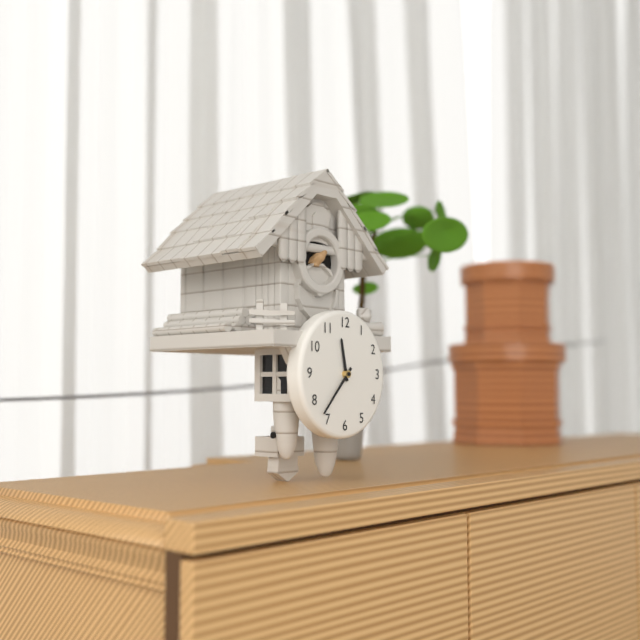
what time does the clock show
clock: 11:37
